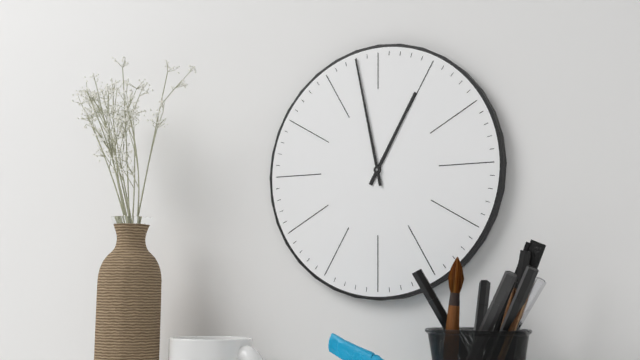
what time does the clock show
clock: 12:58
